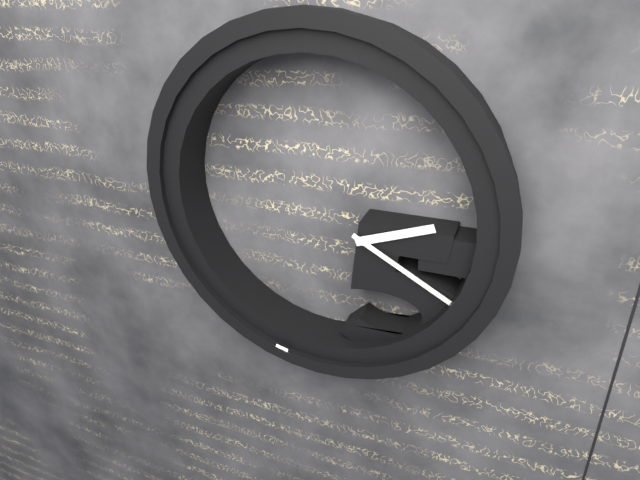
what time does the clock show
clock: 2:20
